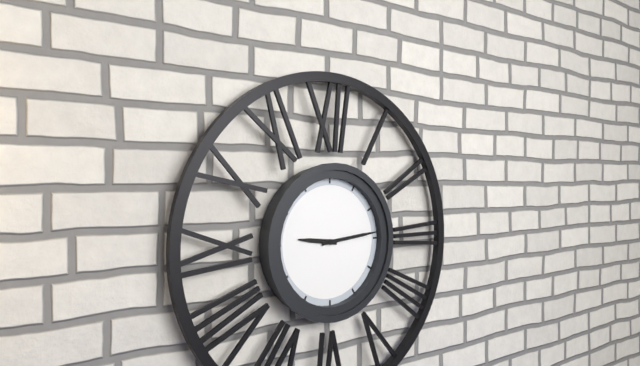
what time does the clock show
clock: 9:14
